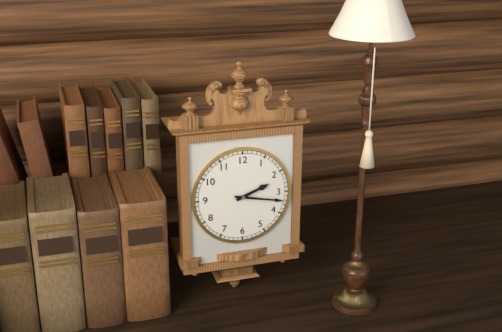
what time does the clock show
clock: 2:17
